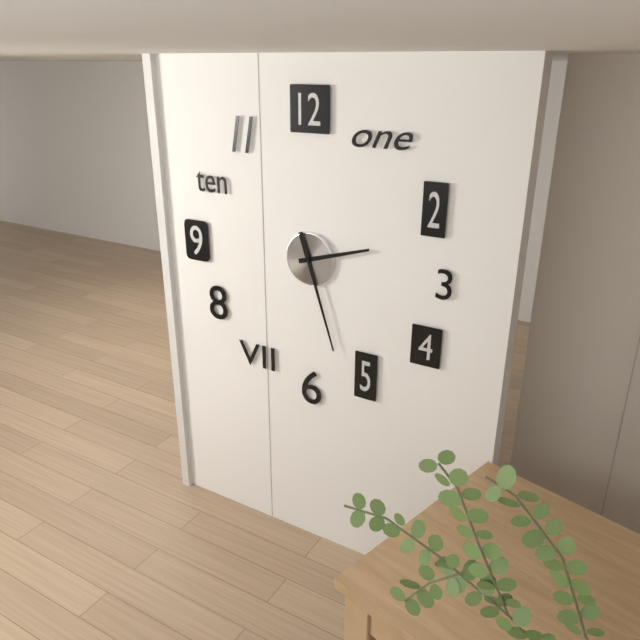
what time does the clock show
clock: 2:27
